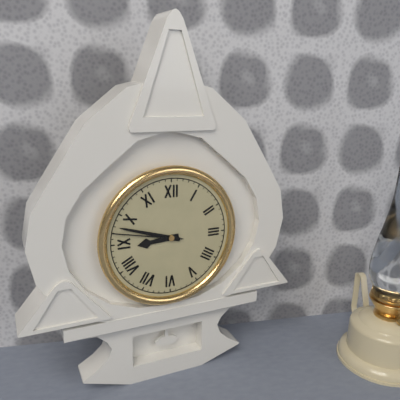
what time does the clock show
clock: 8:48:47
